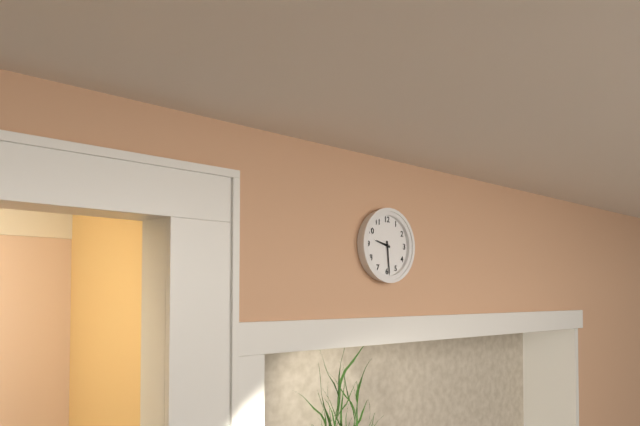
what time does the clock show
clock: 9:29
